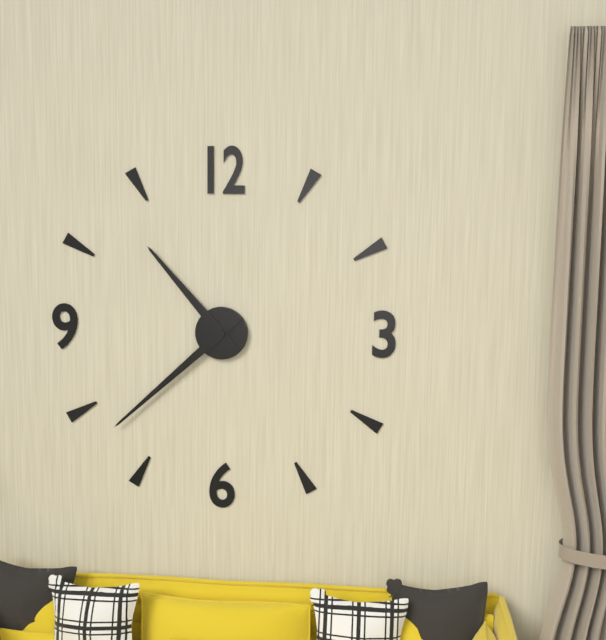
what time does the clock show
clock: 10:38
